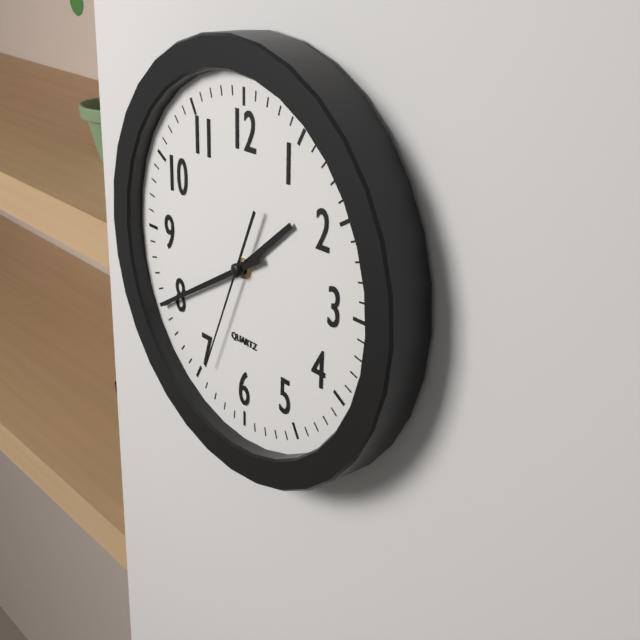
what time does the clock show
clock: 1:40:34
